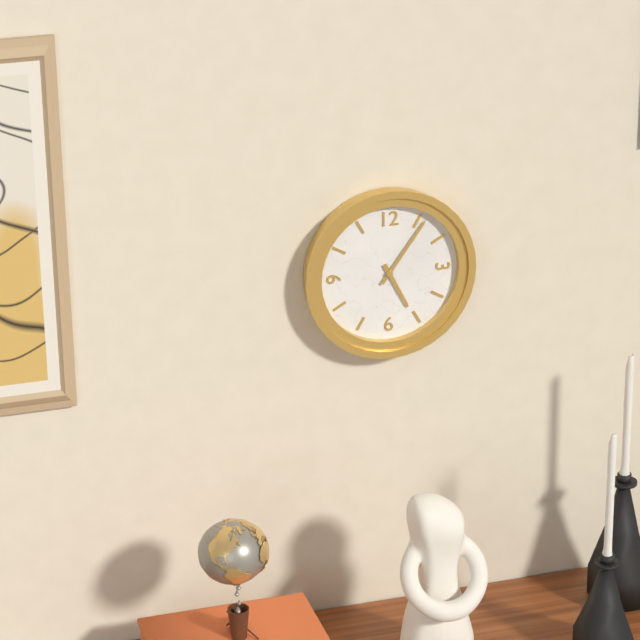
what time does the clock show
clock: 5:06
